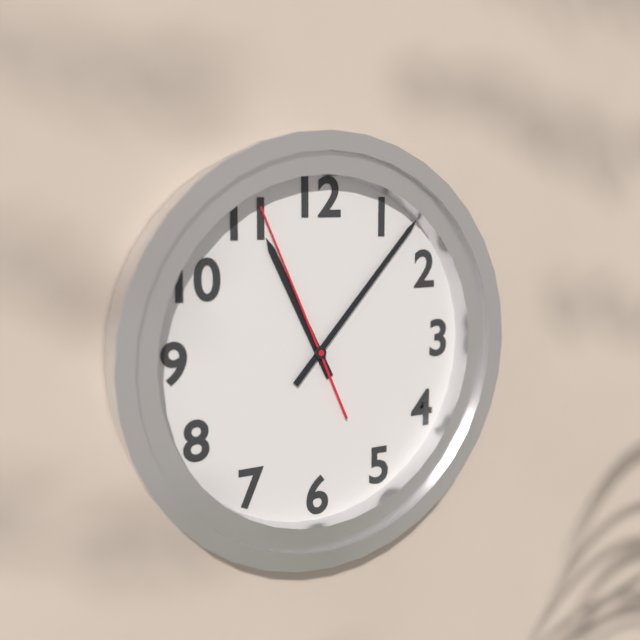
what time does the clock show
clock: 11:07:56
